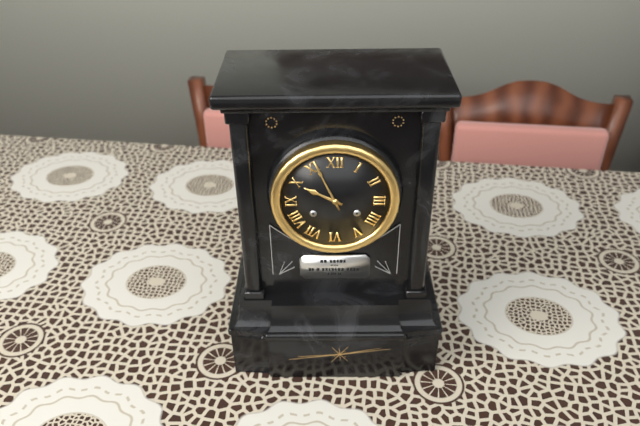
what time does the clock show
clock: 9:56
